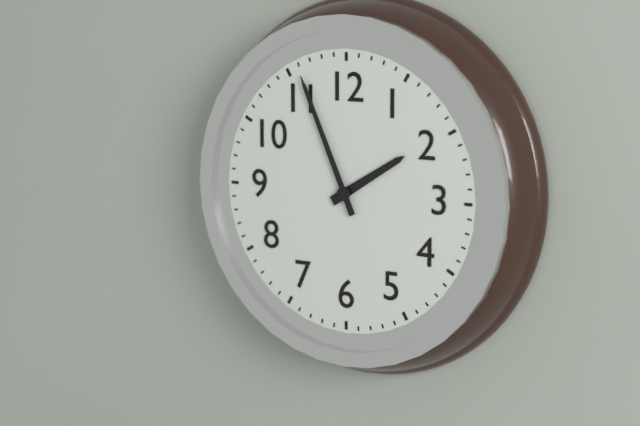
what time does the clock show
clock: 1:56
